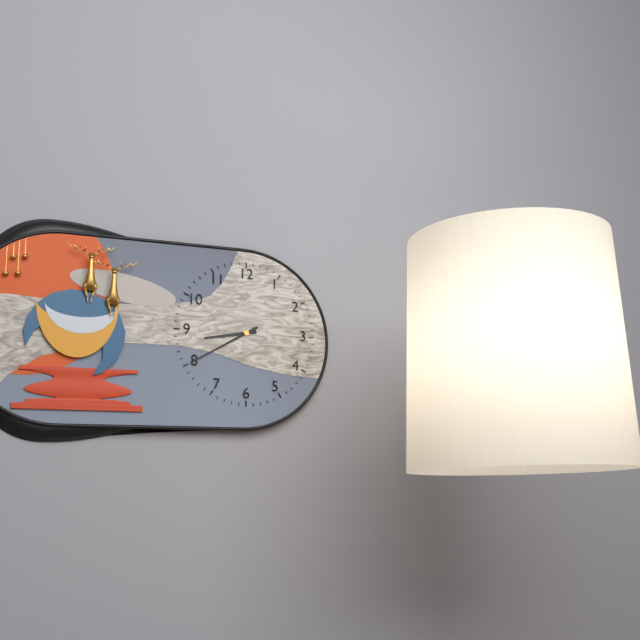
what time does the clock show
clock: 8:40
